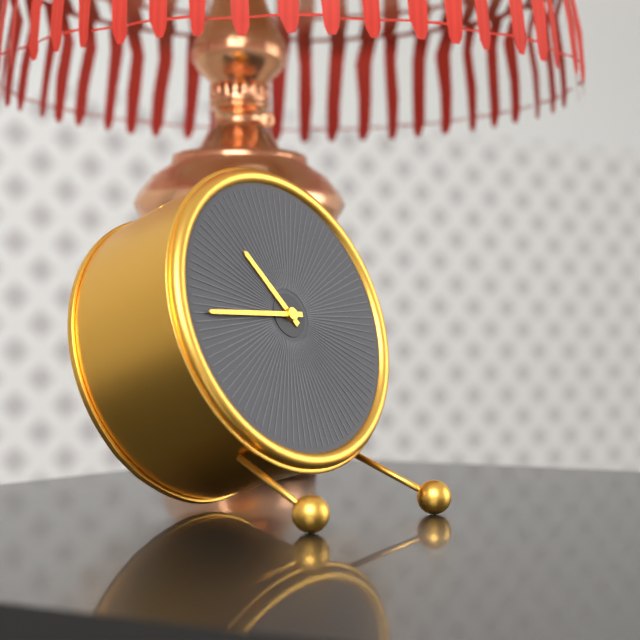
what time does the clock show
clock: 10:45
